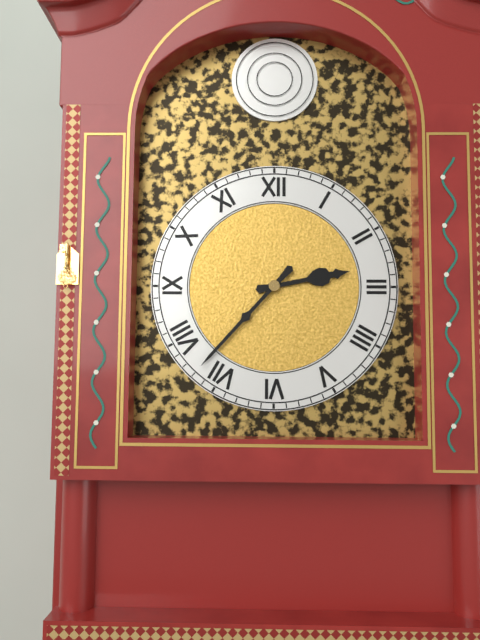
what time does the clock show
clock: 2:37
